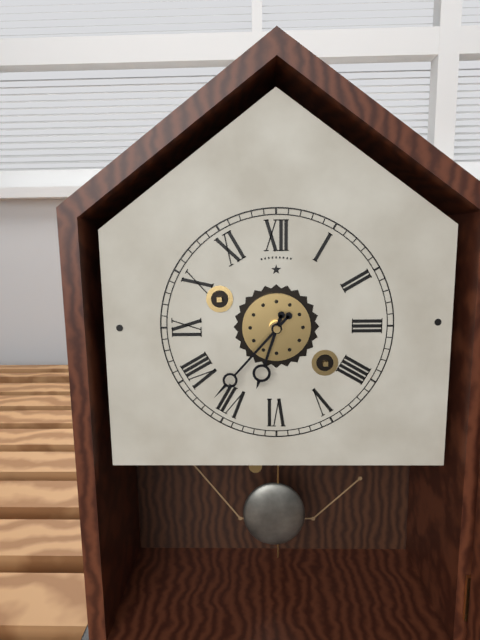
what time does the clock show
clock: 6:37
